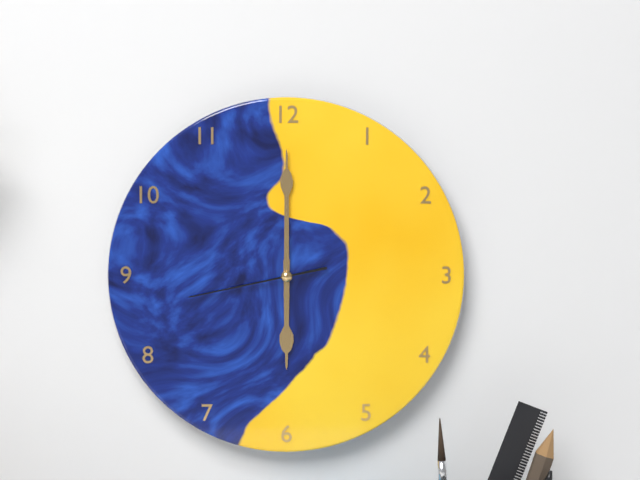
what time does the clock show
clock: 6:00:43
